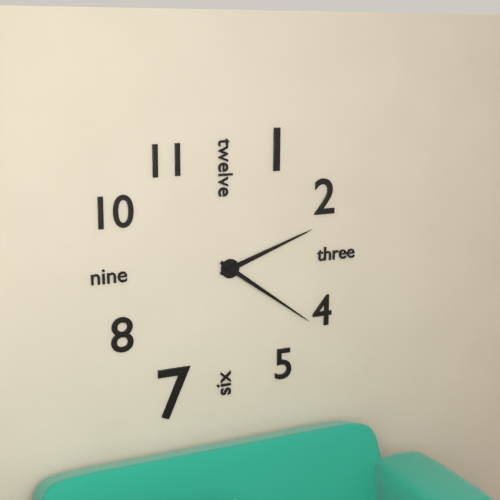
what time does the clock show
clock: 2:21
